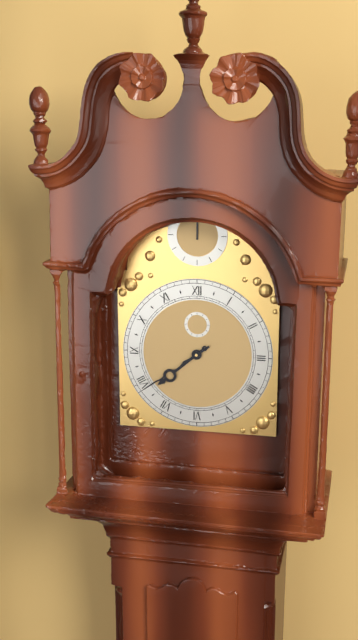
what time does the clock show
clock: 7:39
